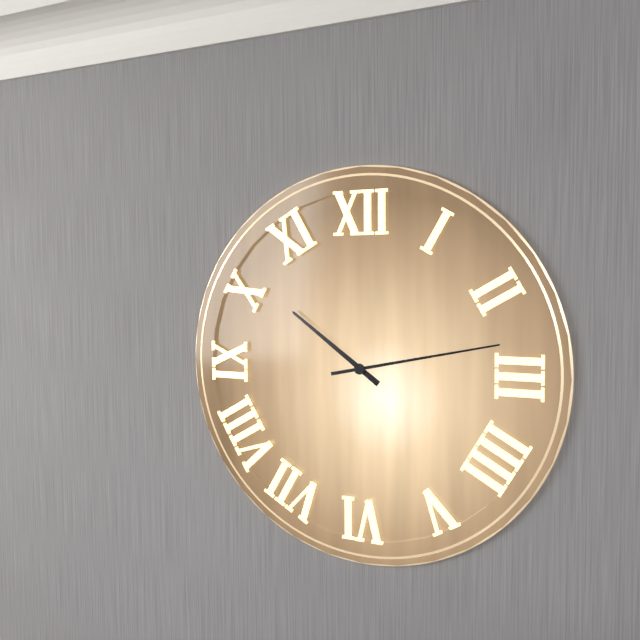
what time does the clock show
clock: 10:13
